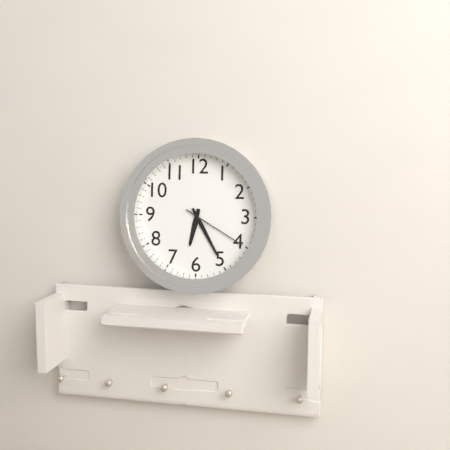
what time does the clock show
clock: 6:25:20
